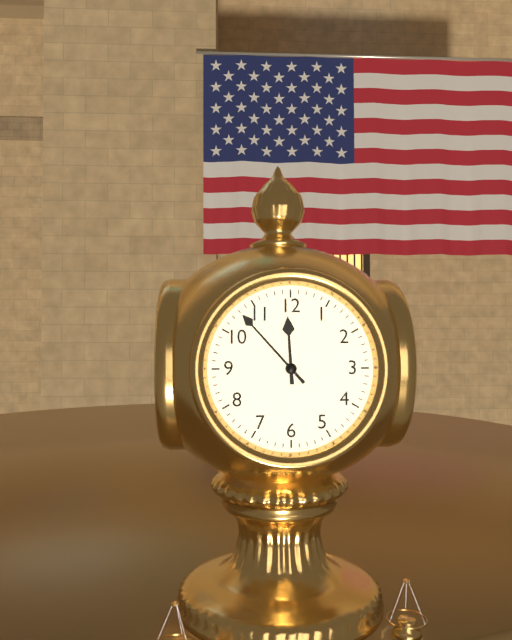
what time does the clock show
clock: 11:53
